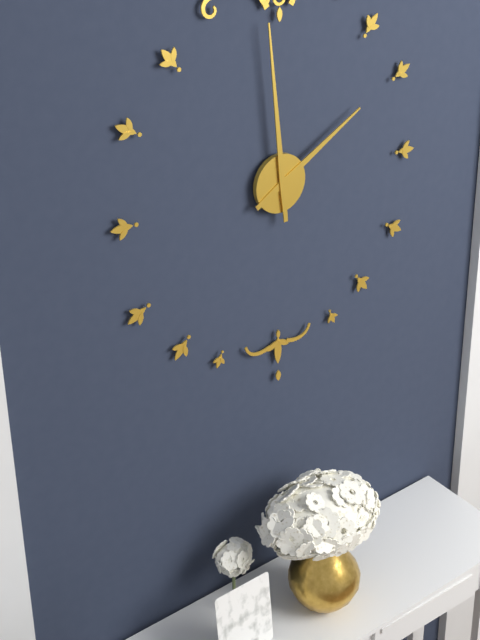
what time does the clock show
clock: 1:59
